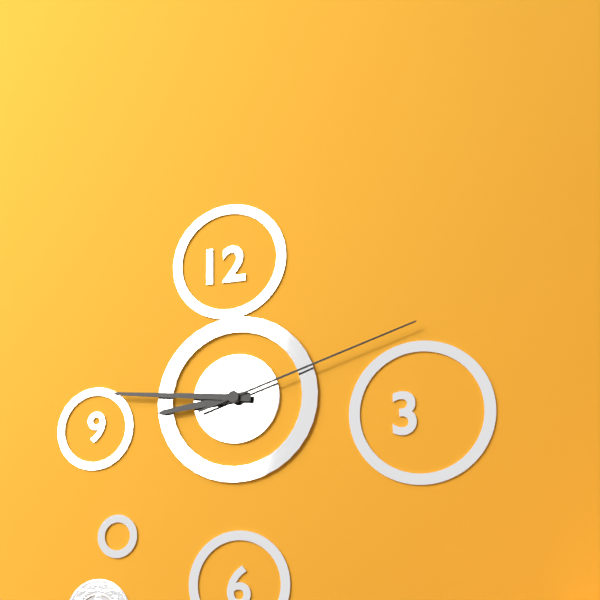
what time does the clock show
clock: 8:46:12
